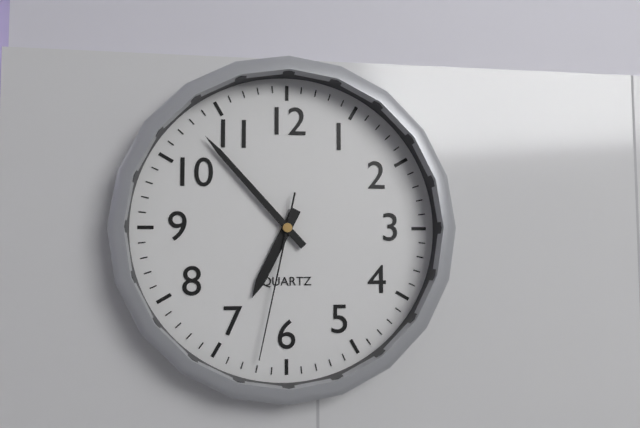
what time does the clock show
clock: 6:53:32
